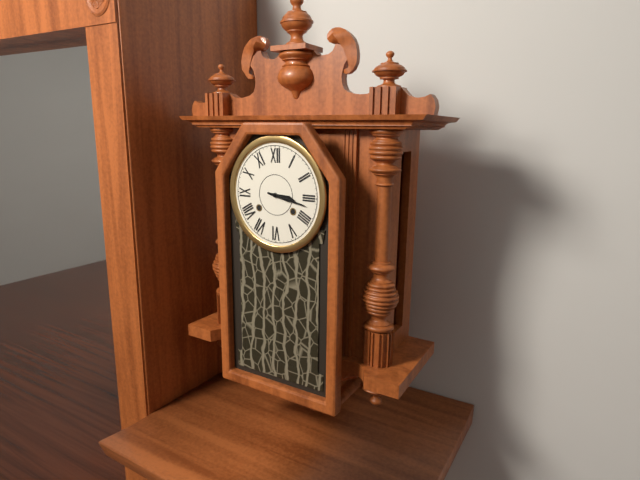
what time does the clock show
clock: 3:17
